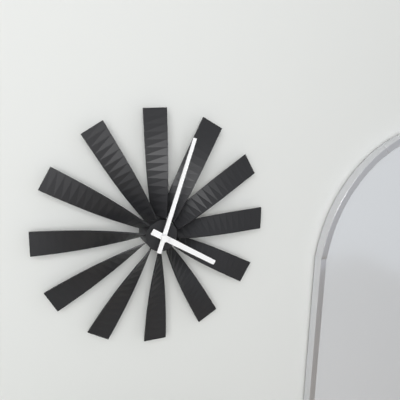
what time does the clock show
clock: 4:03
